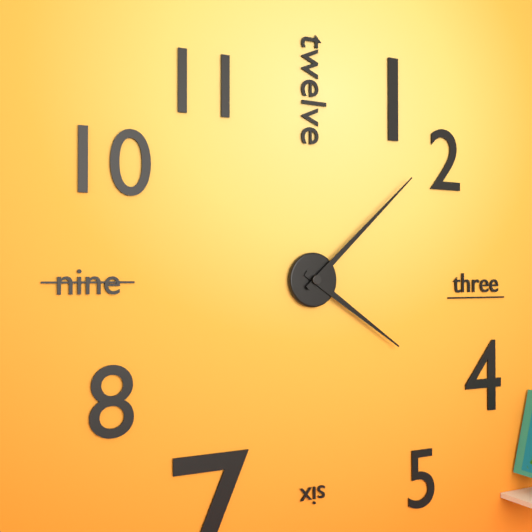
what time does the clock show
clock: 4:08
